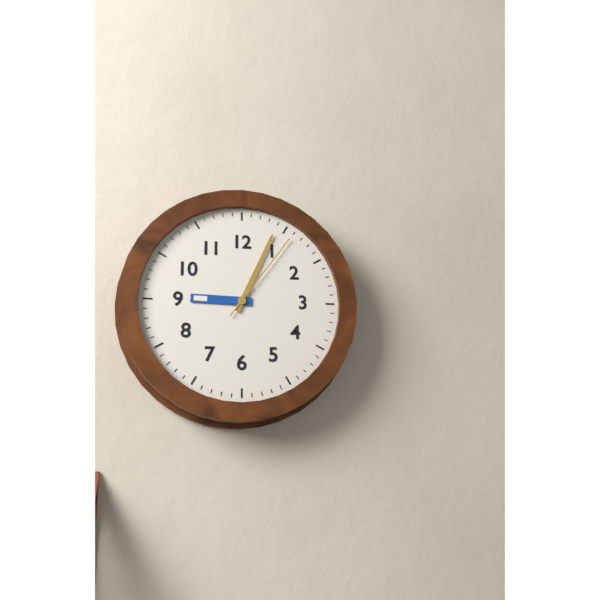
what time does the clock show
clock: 9:04:06
